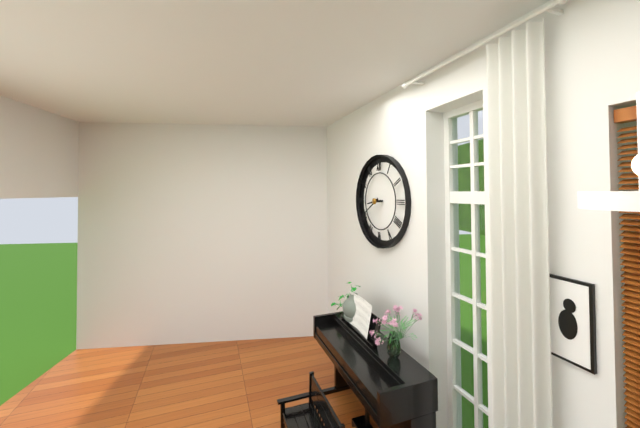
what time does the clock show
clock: 8:40
